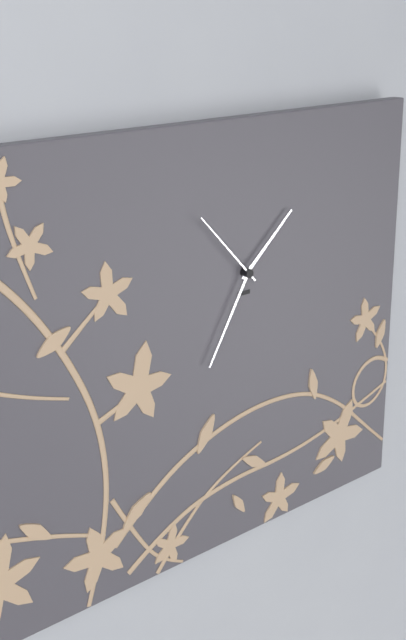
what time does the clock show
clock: 1:35:53
